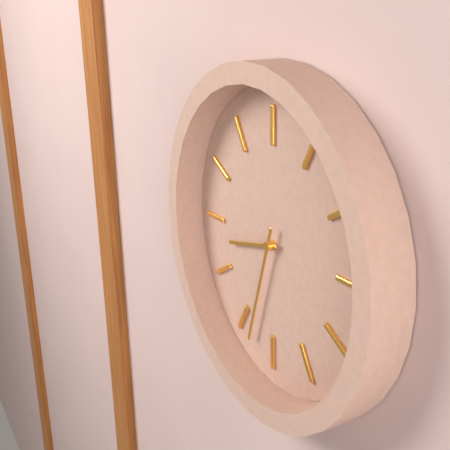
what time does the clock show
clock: 8:33
